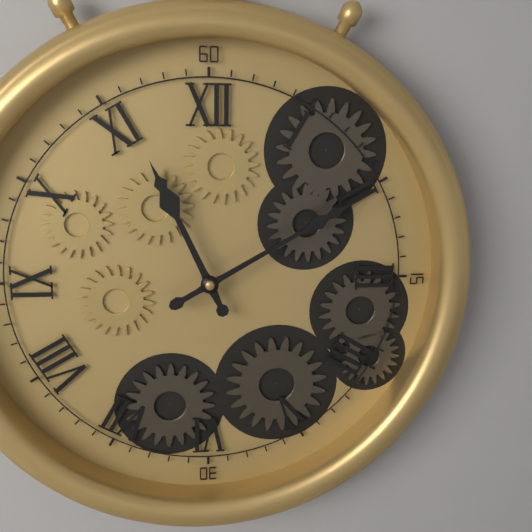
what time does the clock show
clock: 11:10
